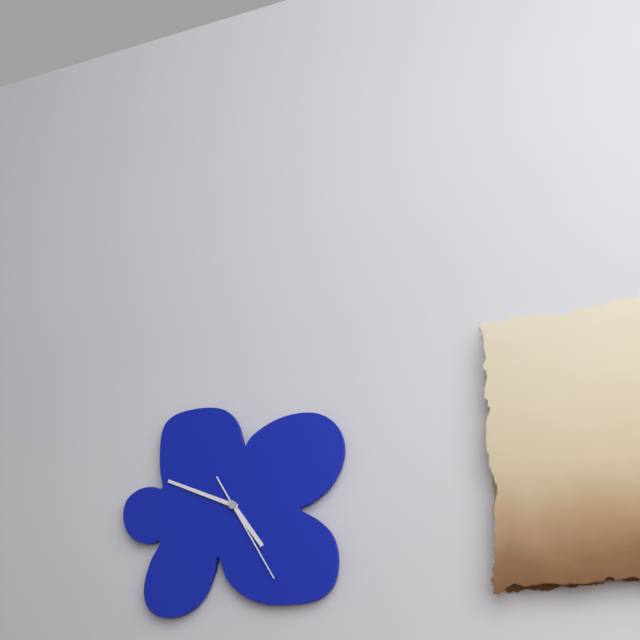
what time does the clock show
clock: 4:49:25
